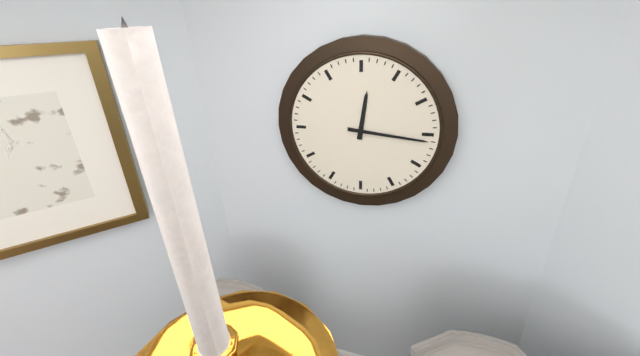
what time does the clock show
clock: 12:16
